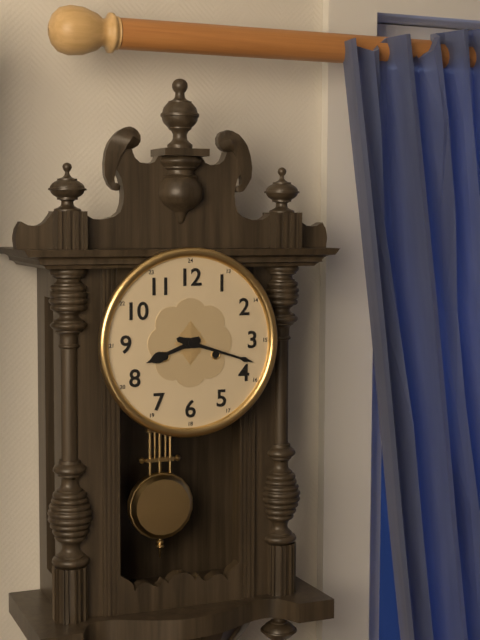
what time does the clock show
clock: 8:18
